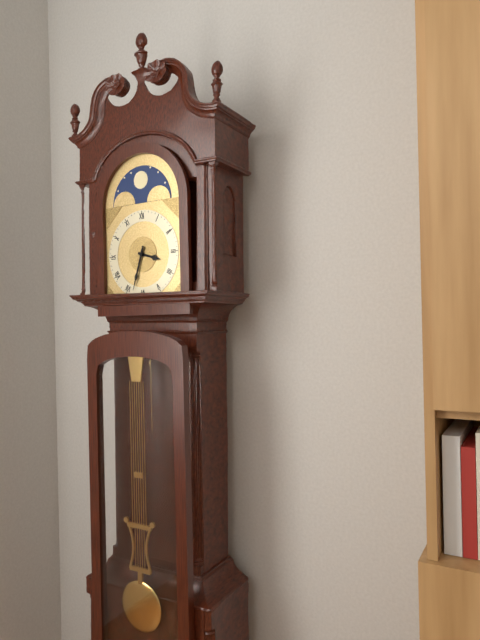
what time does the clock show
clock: 3:33
